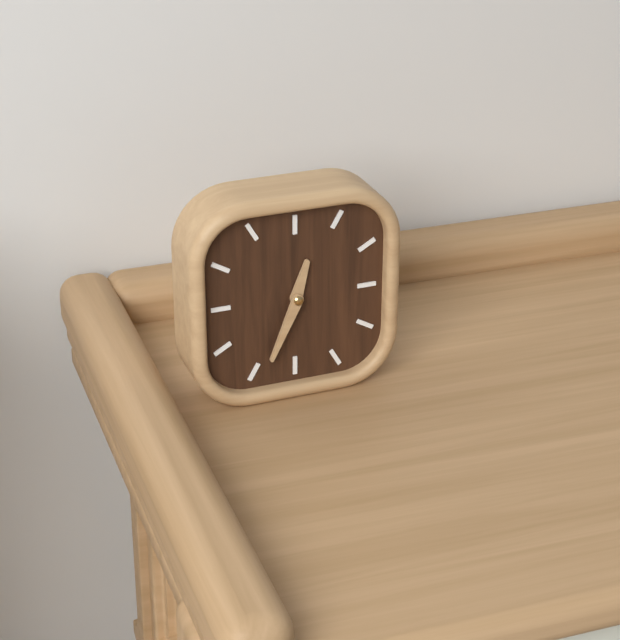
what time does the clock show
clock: 12:34
